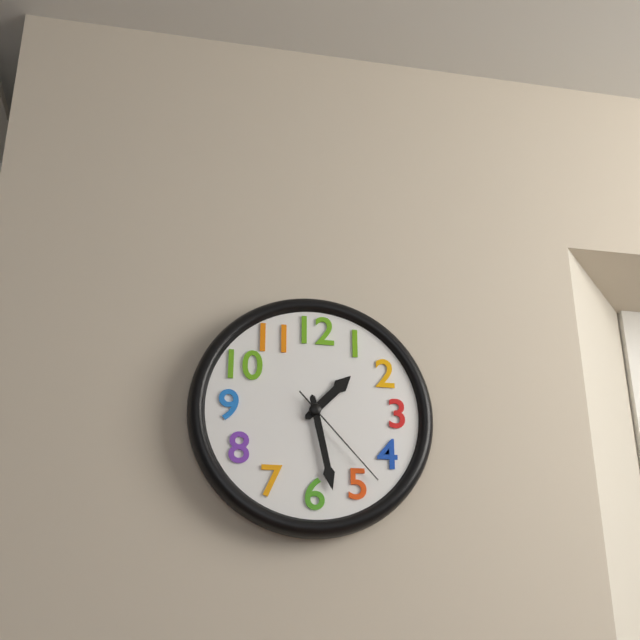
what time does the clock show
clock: 1:28:23
